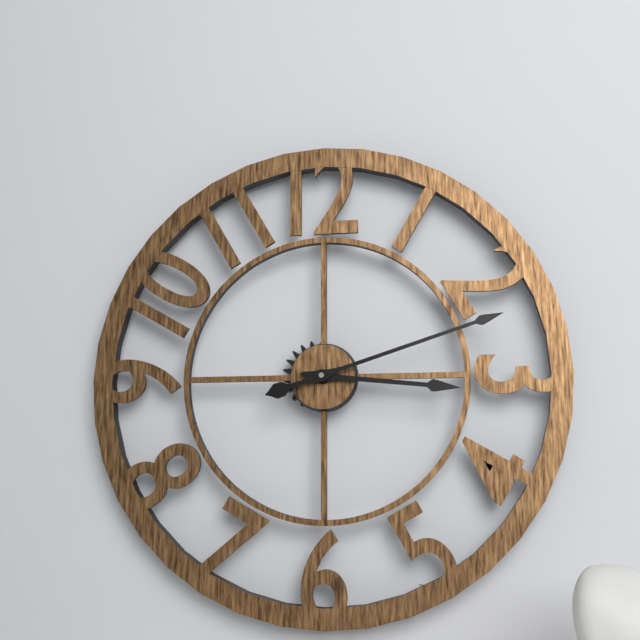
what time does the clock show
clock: 3:12
